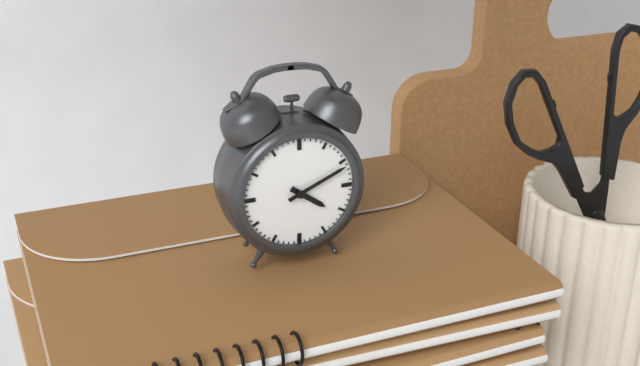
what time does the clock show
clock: 4:11
